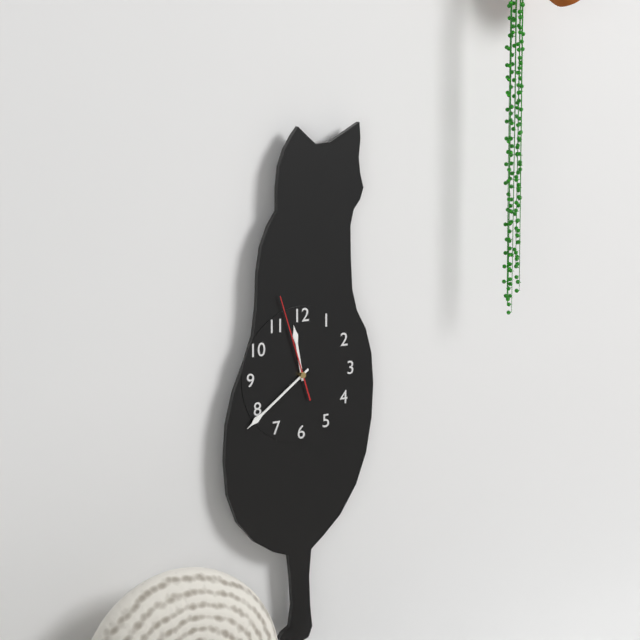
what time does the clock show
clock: 11:39:57
